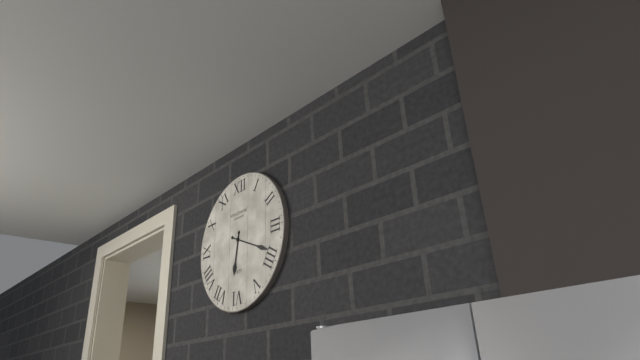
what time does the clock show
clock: 6:19
